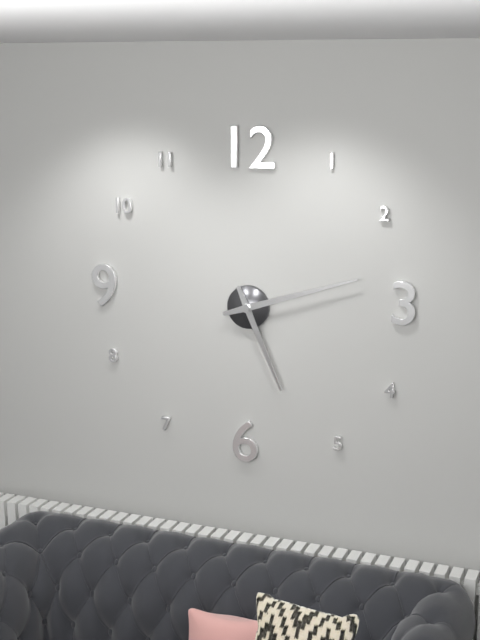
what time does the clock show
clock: 5:12
